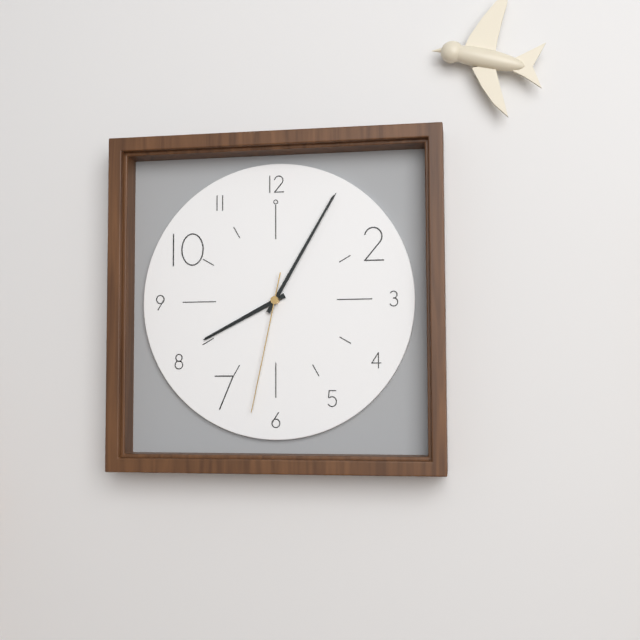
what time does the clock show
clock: 8:05:32
